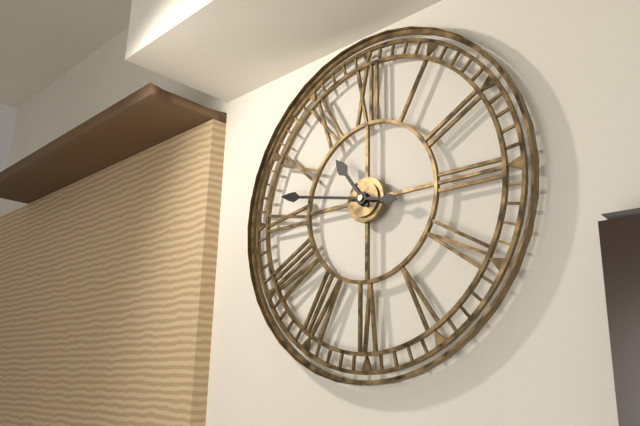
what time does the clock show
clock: 10:47
